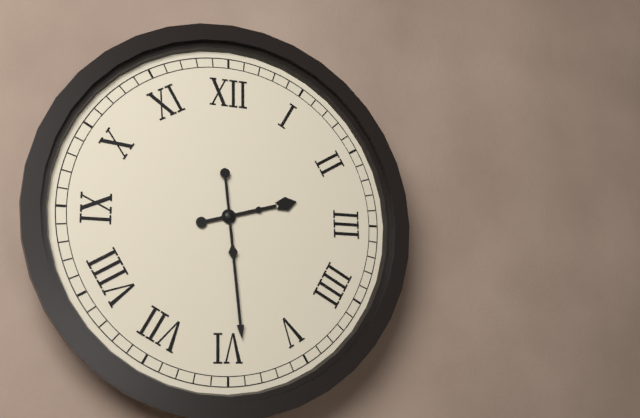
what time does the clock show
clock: 2:29
